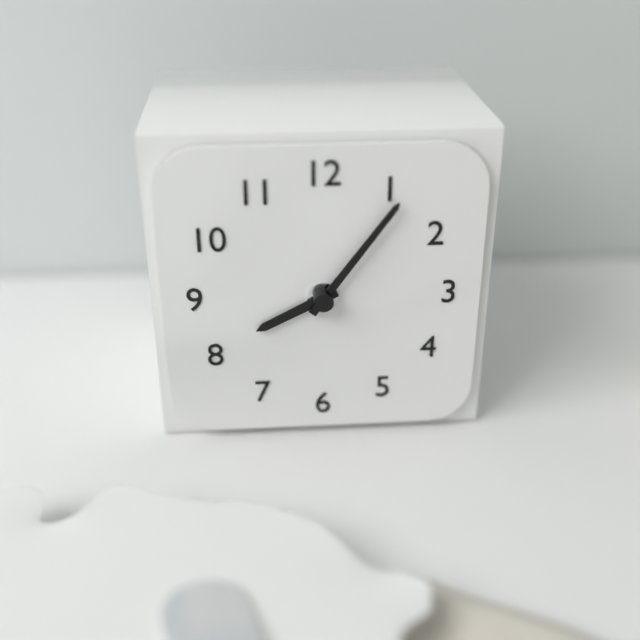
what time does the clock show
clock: 8:06
